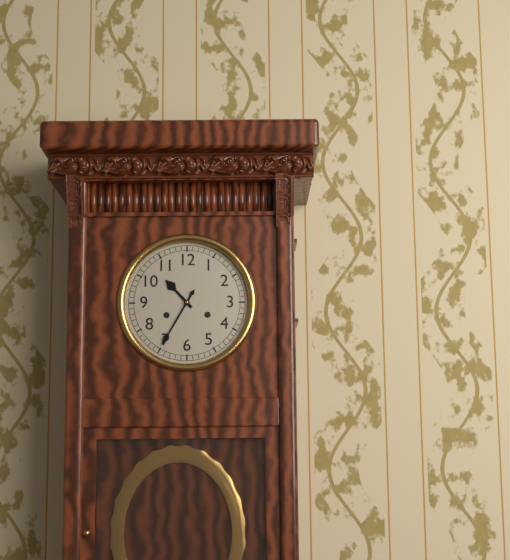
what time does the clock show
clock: 10:35
